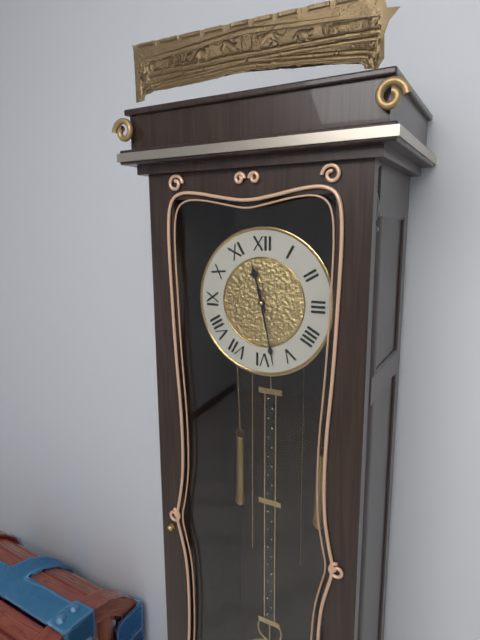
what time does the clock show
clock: 11:28
